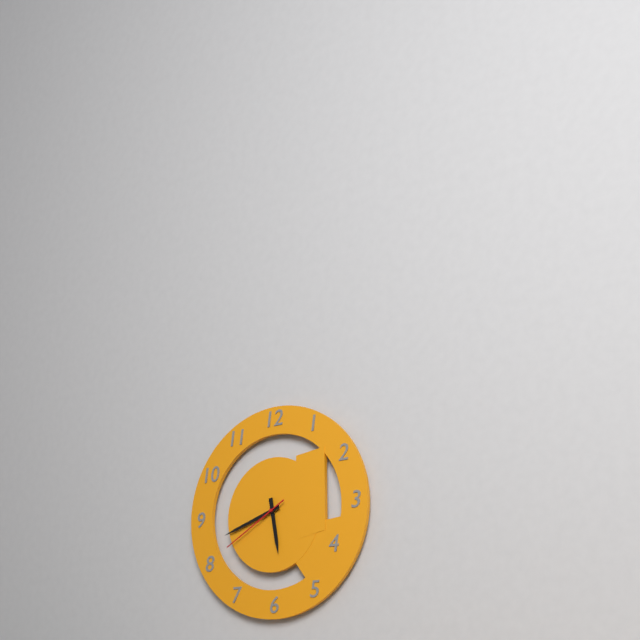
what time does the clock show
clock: 5:42:40
